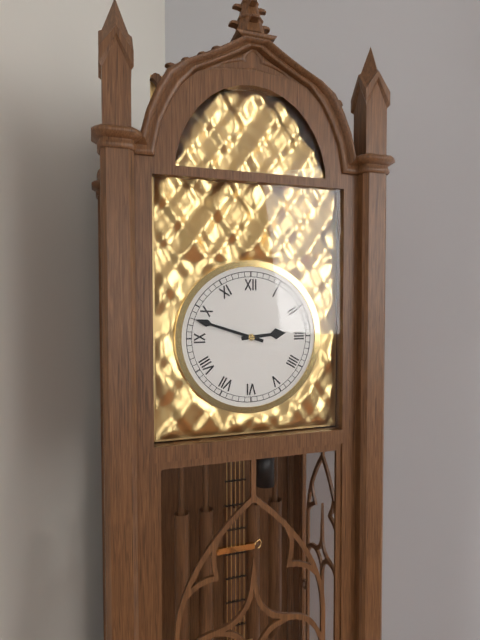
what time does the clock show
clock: 2:48
